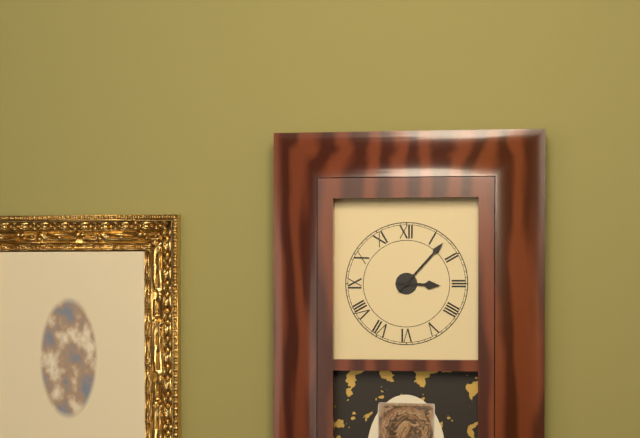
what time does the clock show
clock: 3:07
